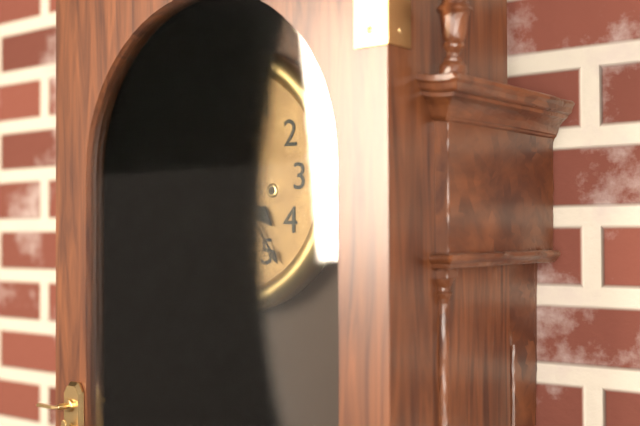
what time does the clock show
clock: 4:24
